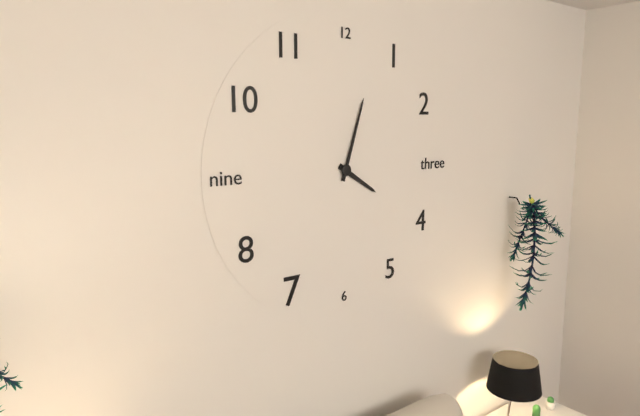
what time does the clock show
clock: 4:03
